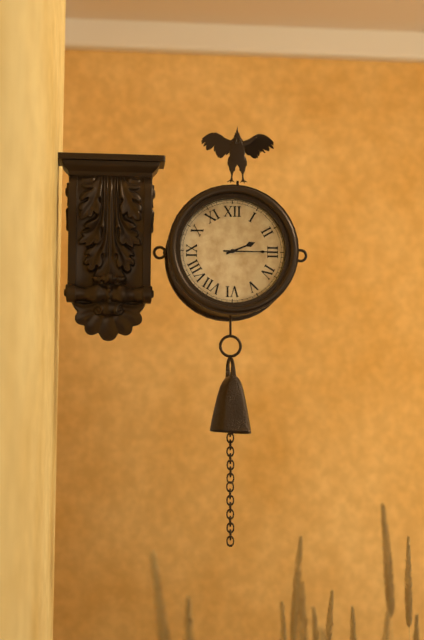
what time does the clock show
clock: 2:15
